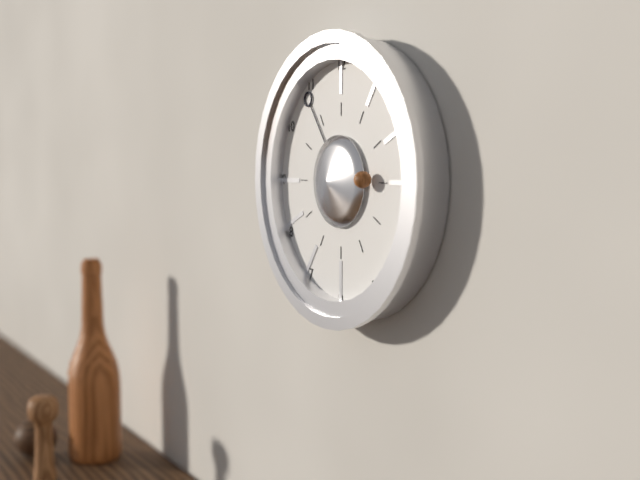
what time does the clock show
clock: 2:54
